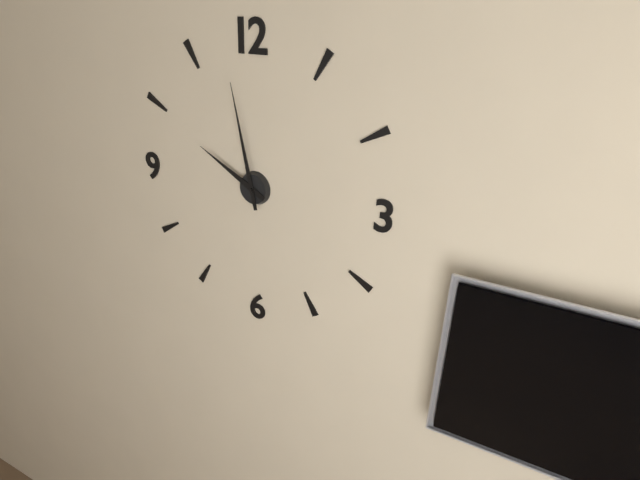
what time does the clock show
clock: 9:58
